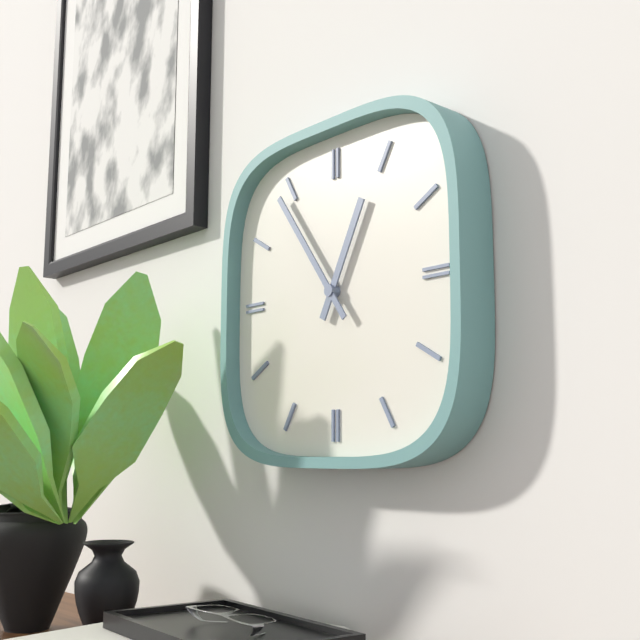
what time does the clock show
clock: 12:54
